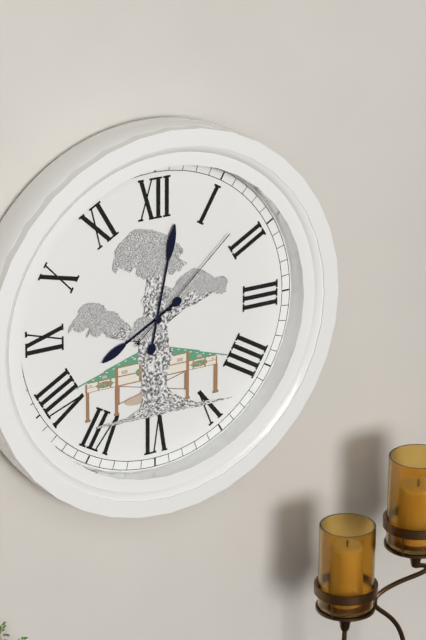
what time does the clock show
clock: 8:02:08
